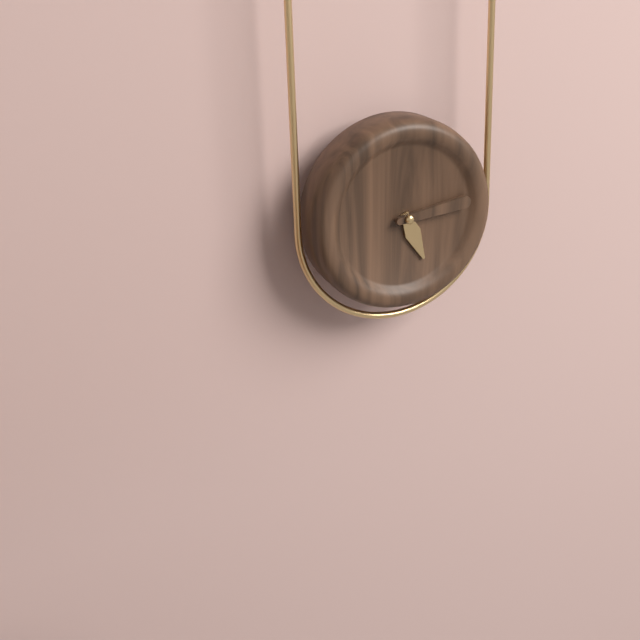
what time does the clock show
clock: 5:14
